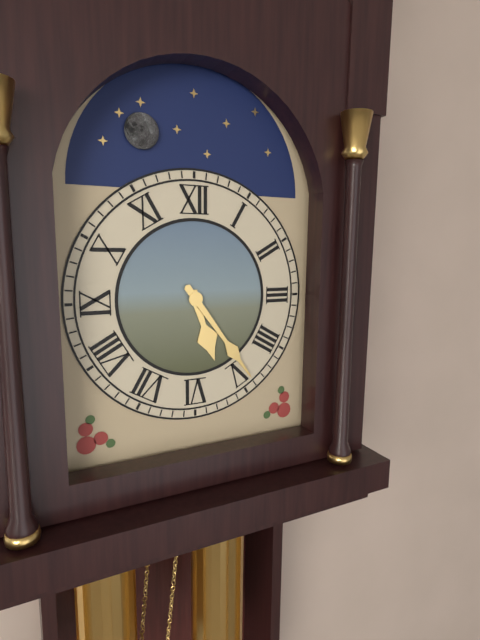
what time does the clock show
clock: 5:24
